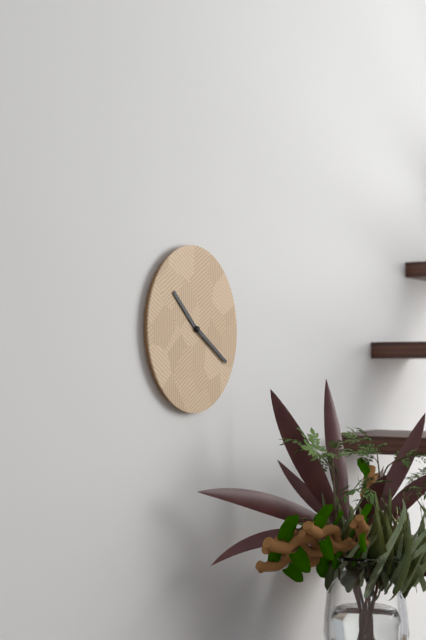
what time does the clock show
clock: 10:20
